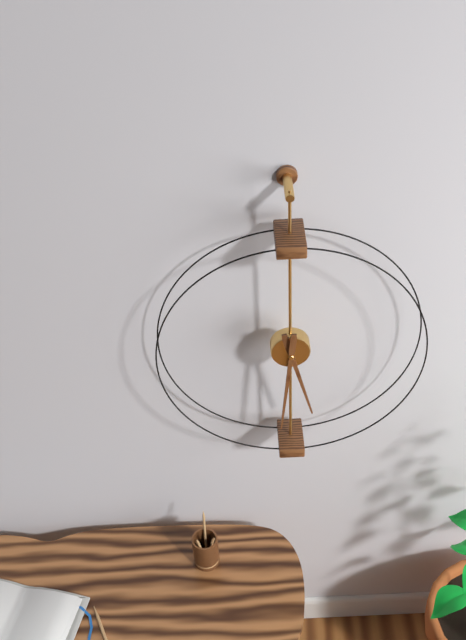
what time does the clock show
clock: 5:31
